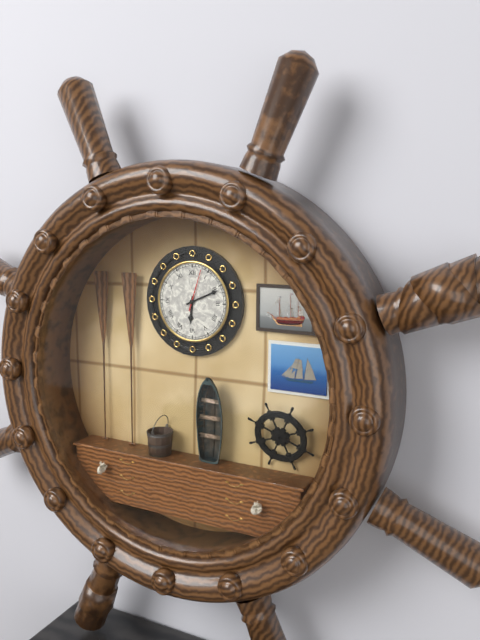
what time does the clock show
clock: 6:11
